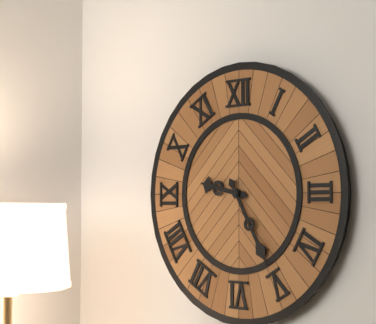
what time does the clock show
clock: 9:25
